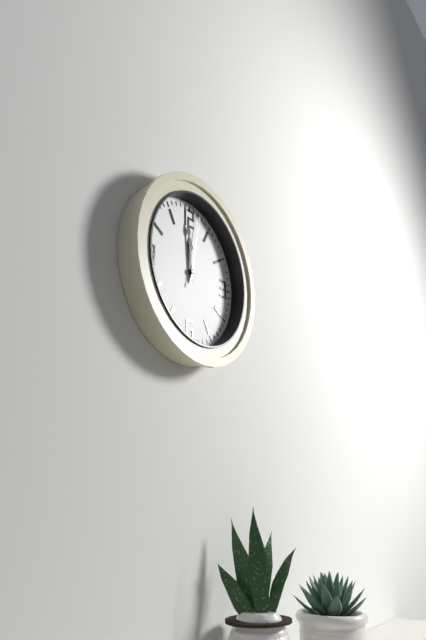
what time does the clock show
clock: 11:59:02
